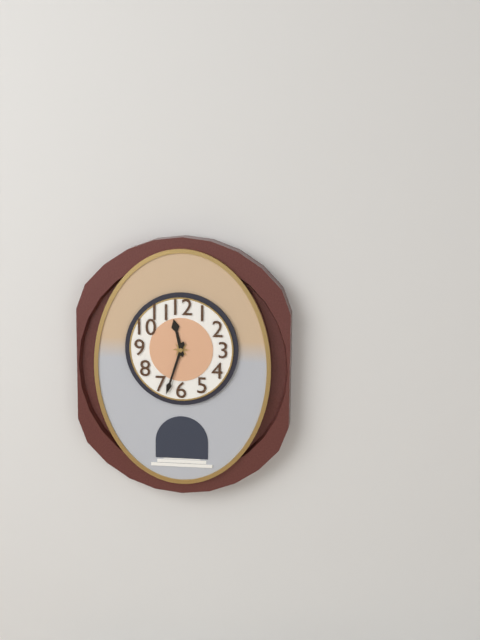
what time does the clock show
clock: 11:33
